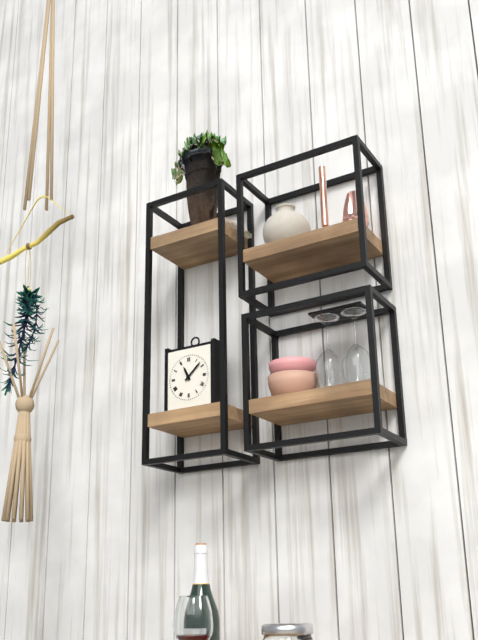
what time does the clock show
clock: 11:08
